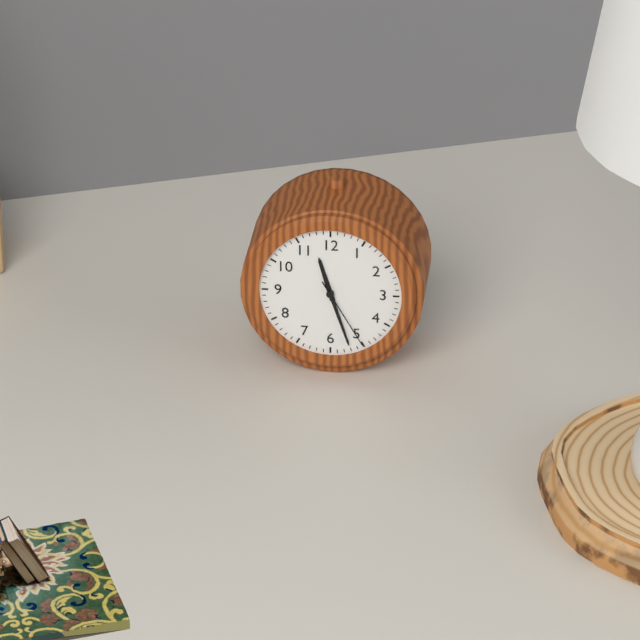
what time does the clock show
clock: 11:27:25
